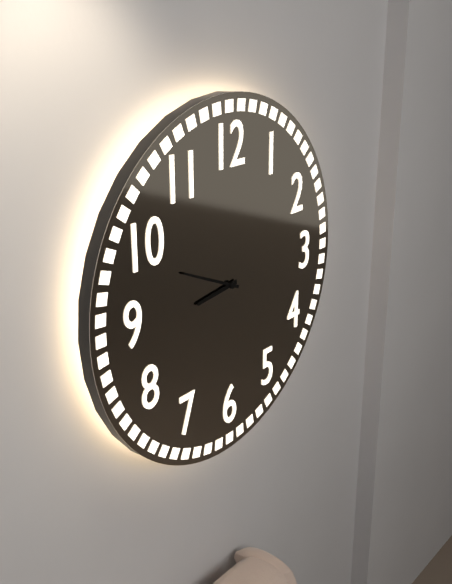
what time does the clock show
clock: 8:49
